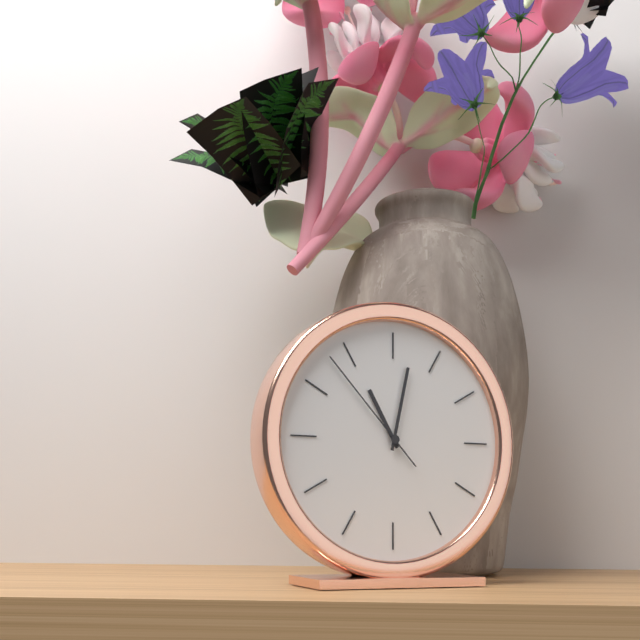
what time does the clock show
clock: 11:02:53
